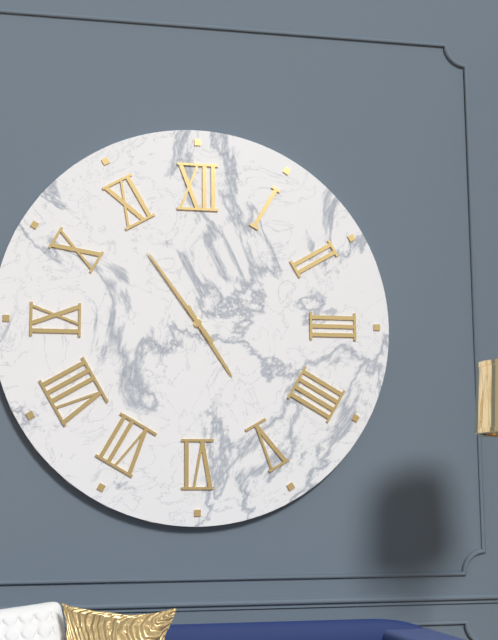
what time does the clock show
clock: 4:54
